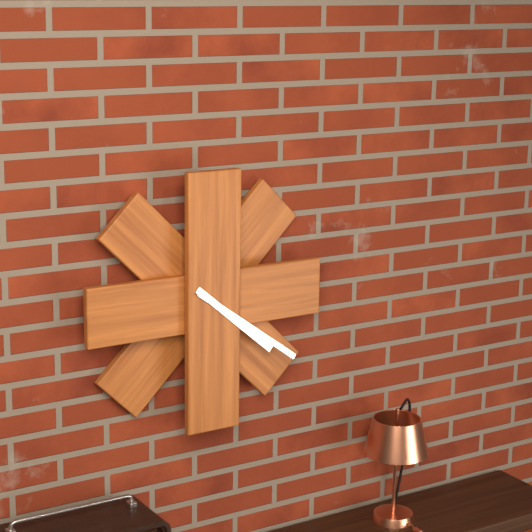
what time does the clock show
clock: 4:21
